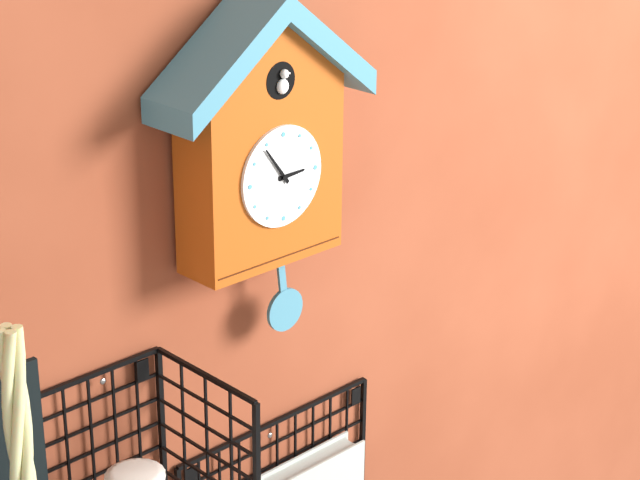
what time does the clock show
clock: 2:54
